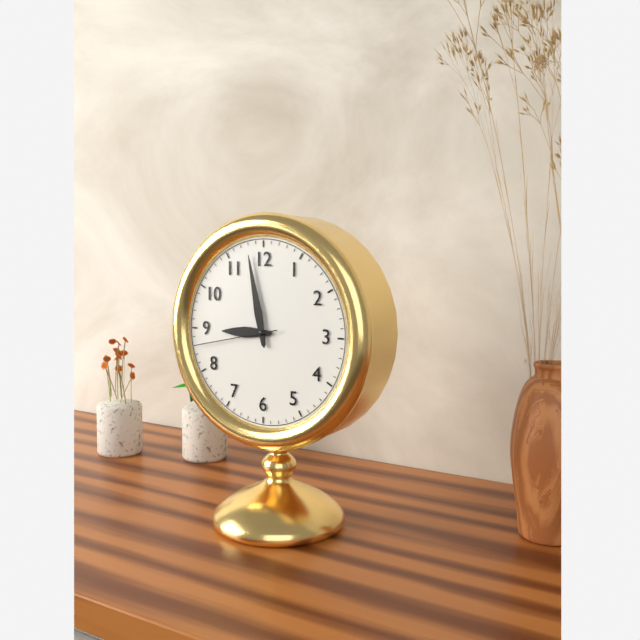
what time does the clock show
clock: 8:58:43
